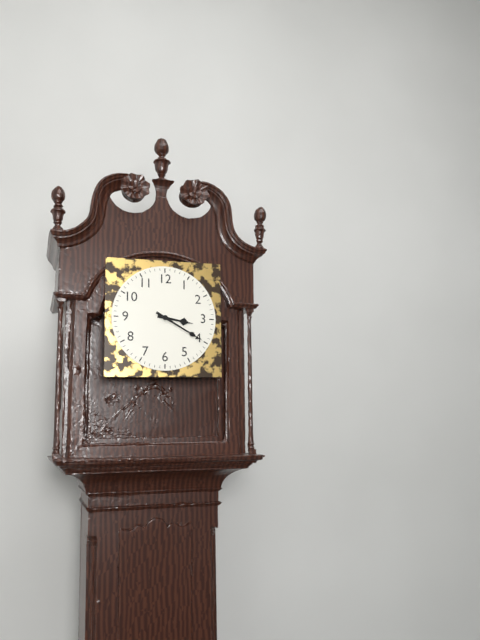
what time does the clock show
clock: 3:20
